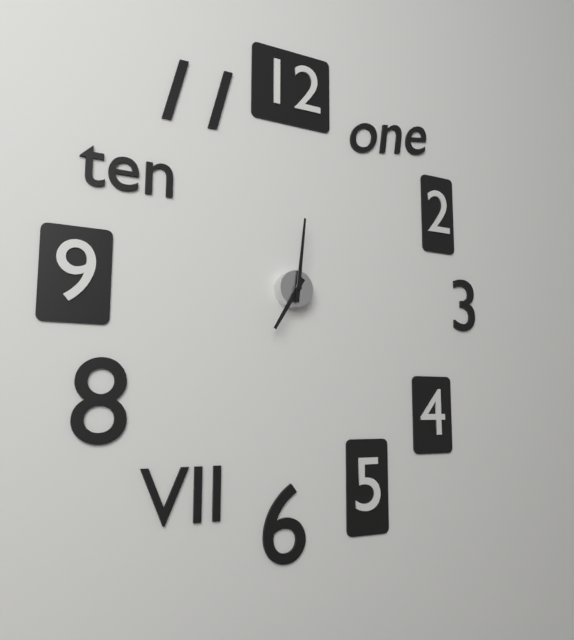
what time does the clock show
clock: 7:01
